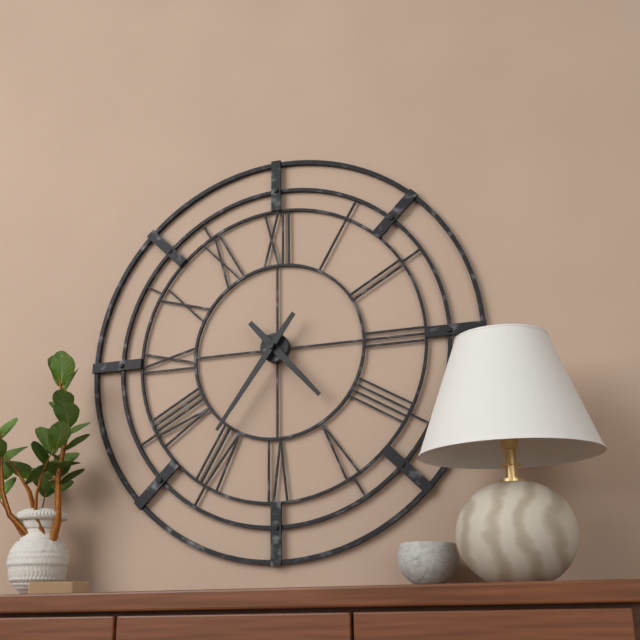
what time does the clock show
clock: 4:36
